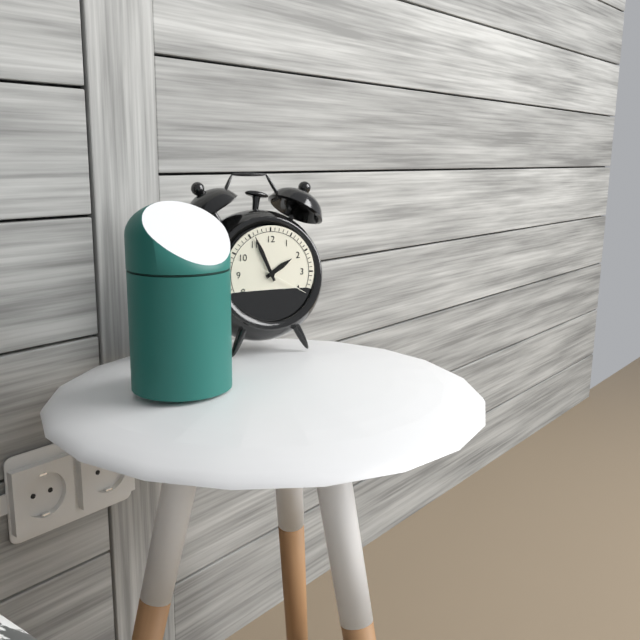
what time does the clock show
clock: 1:56
